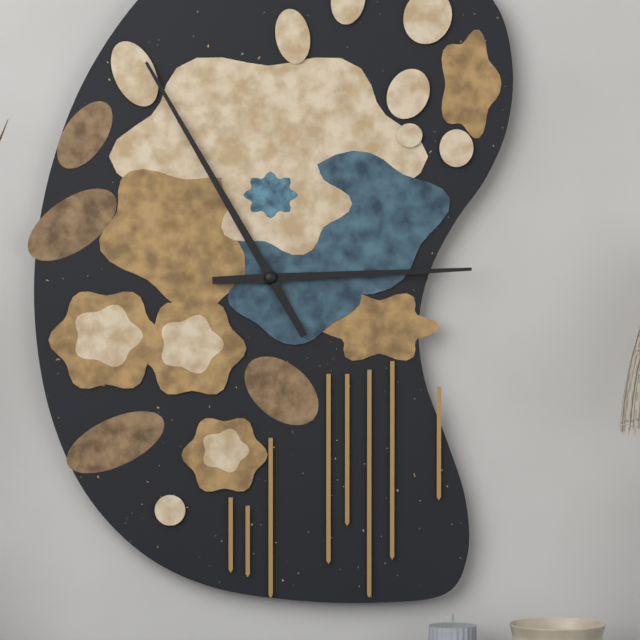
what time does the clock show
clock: 2:55
